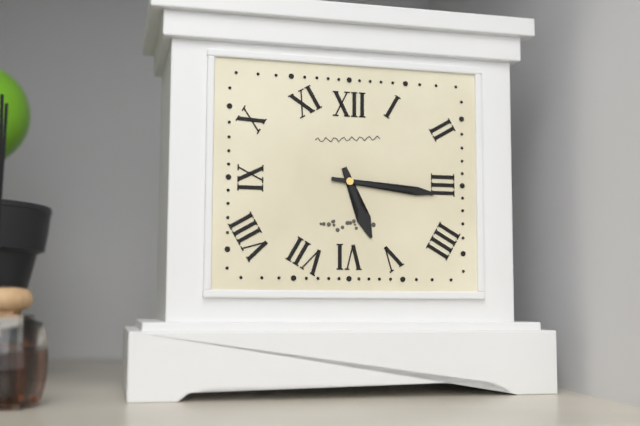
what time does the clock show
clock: 5:16
